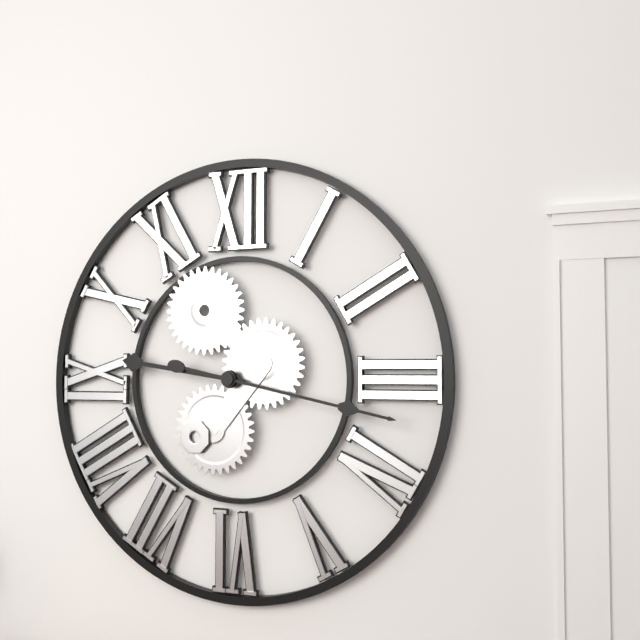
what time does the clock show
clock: 9:17
